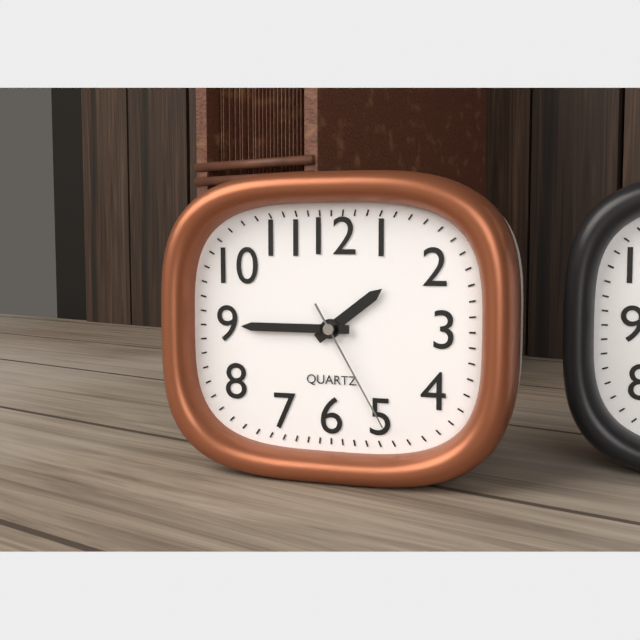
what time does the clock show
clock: 1:45:25
